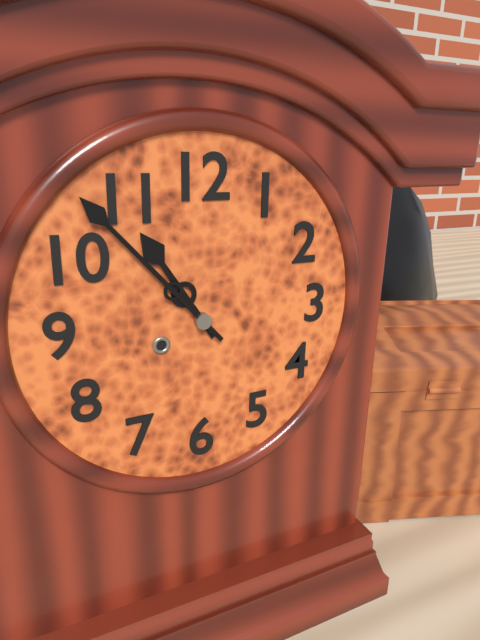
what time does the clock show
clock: 10:53
